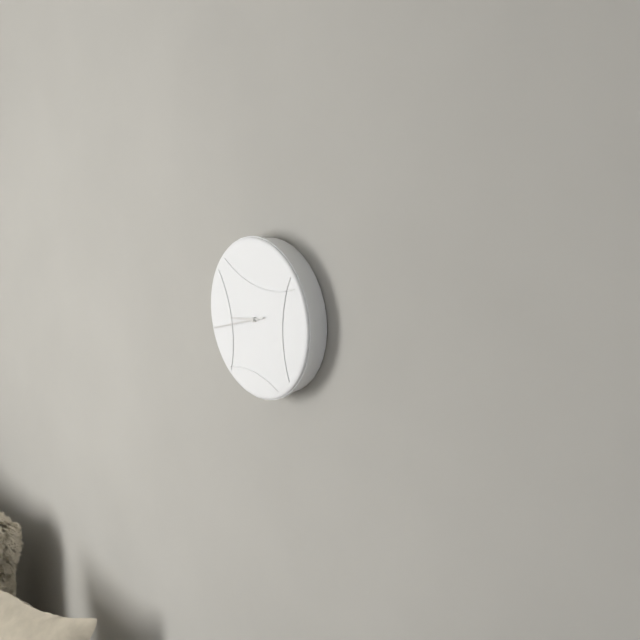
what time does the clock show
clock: 8:42
